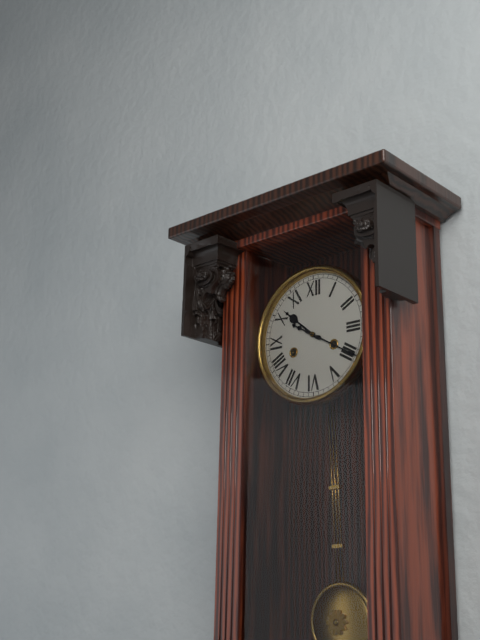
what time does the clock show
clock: 10:20
